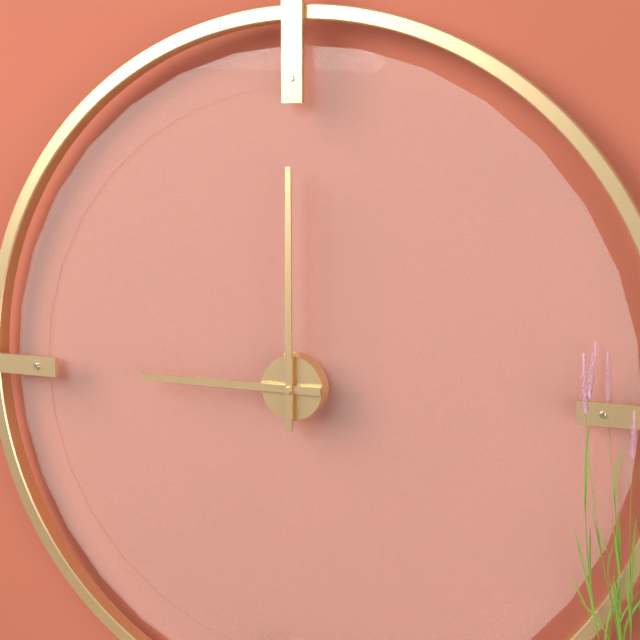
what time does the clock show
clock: 9:00
